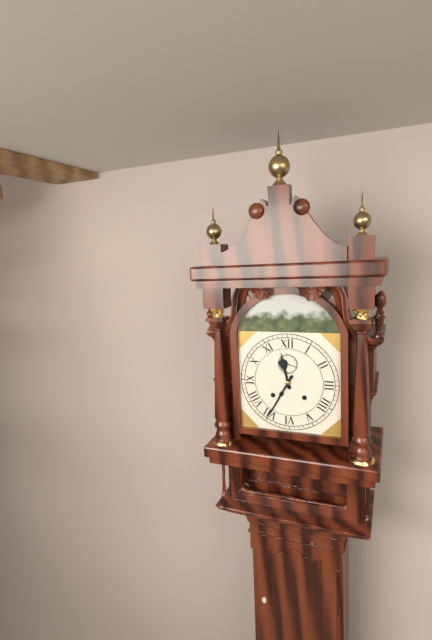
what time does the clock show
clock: 11:35
